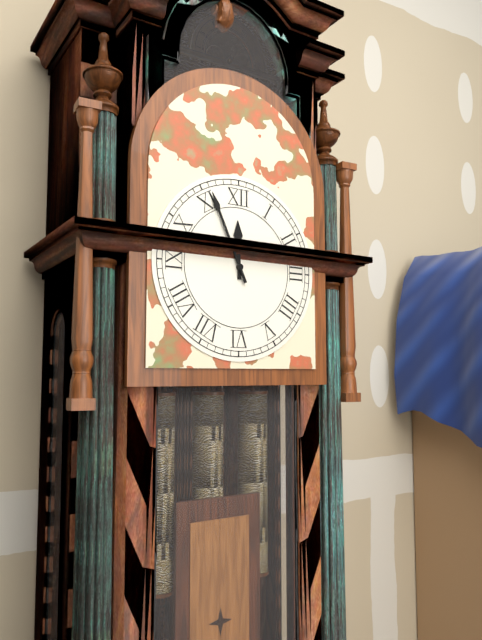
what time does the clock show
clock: 11:56
